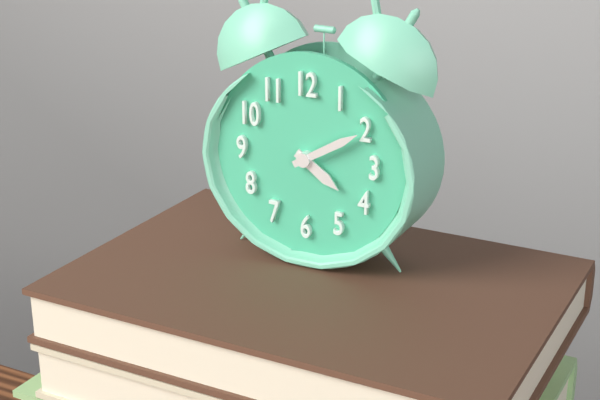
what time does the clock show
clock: 4:10
